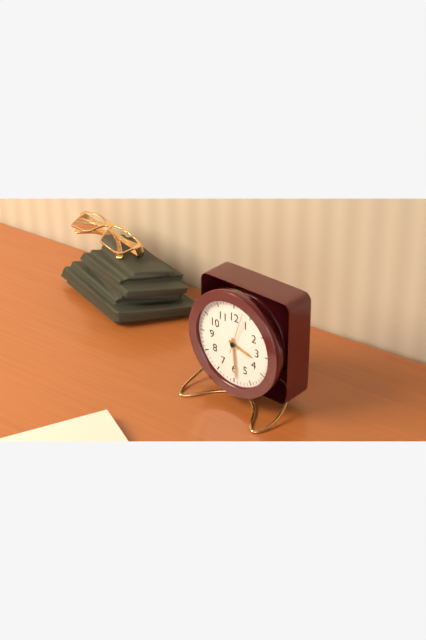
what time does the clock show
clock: 3:29
